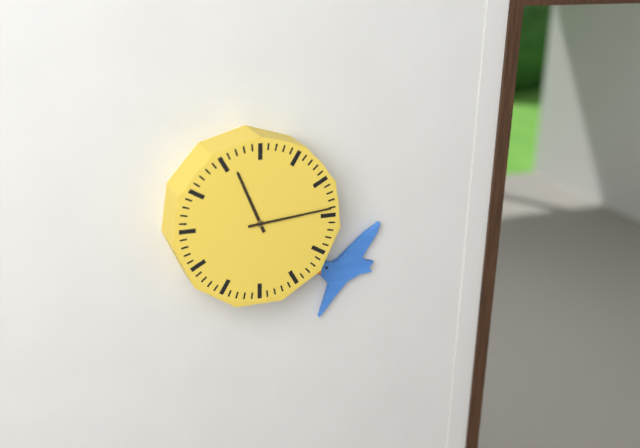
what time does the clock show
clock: 11:14
